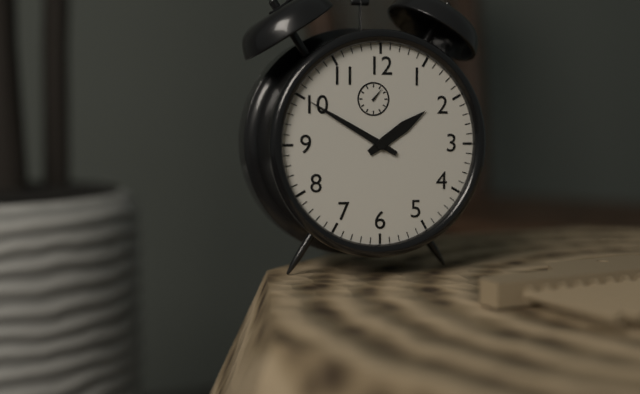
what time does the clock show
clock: 1:50
